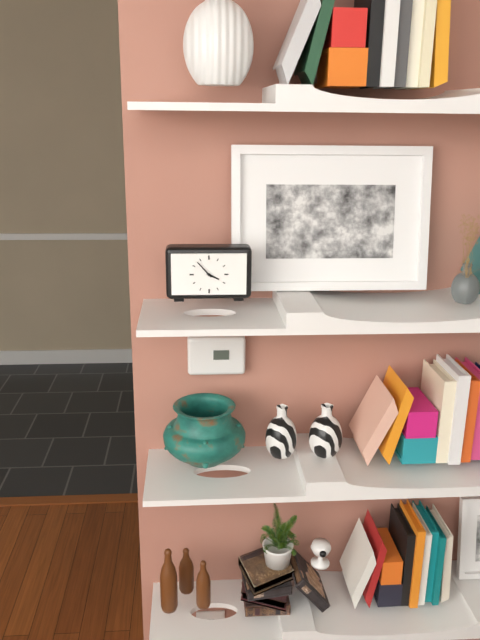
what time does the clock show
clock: 3:53
